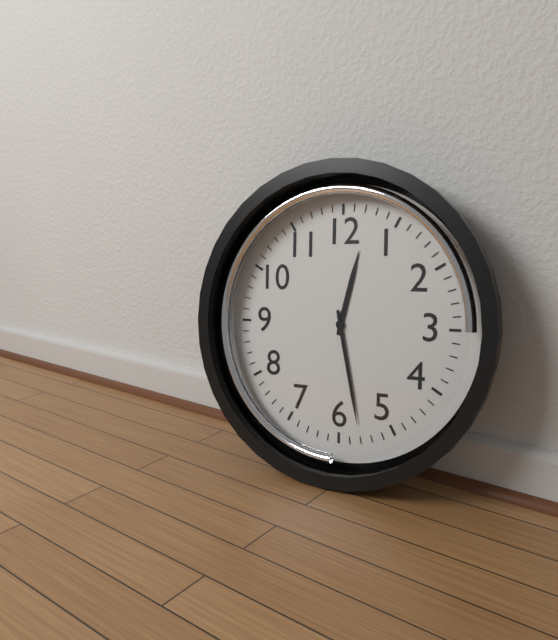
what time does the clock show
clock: 12:28
